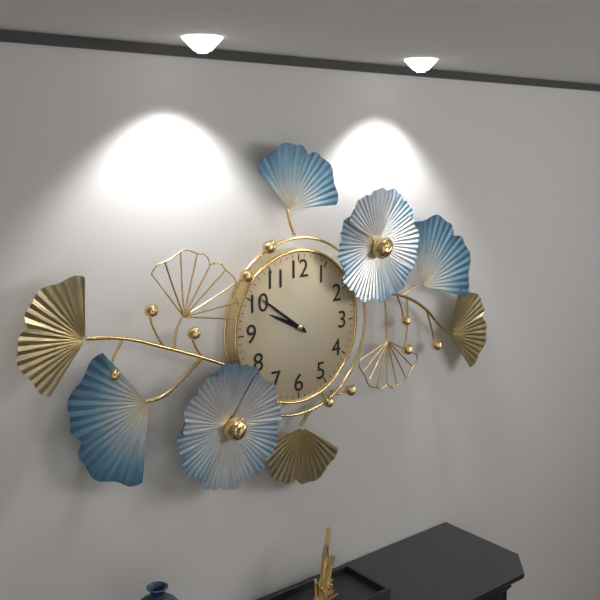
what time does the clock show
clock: 9:51
